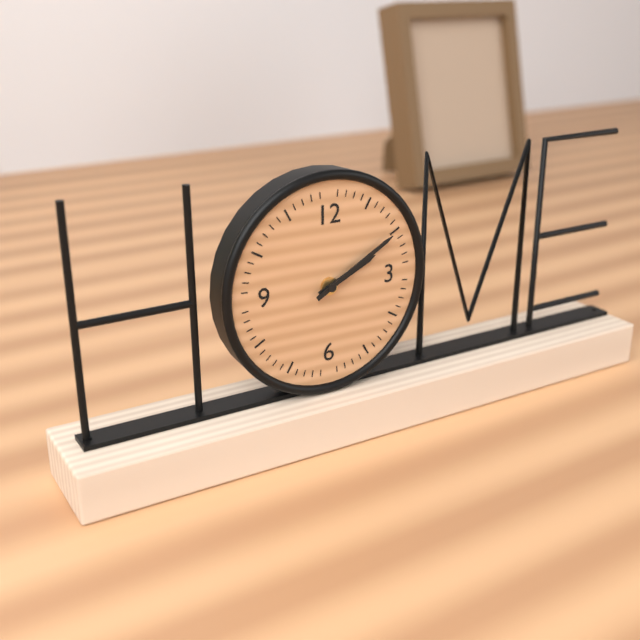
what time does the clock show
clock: 2:10
